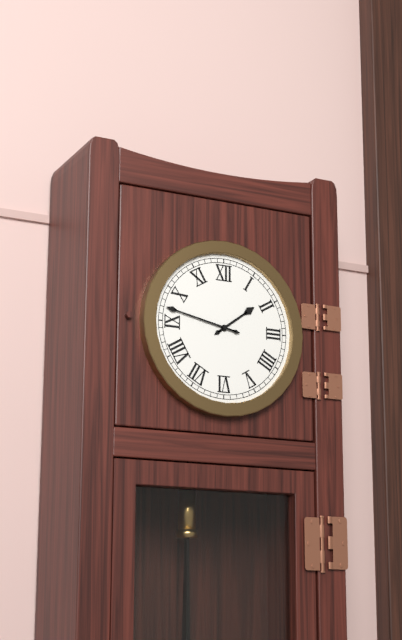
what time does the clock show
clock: 1:47
